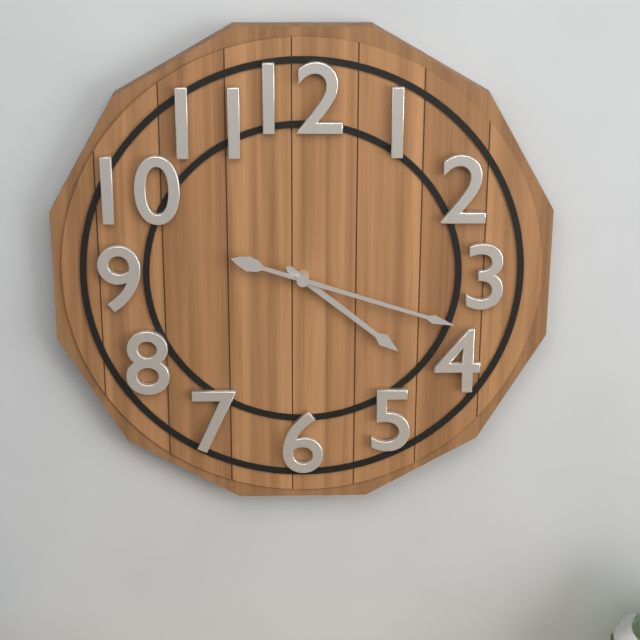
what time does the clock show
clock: 4:18
